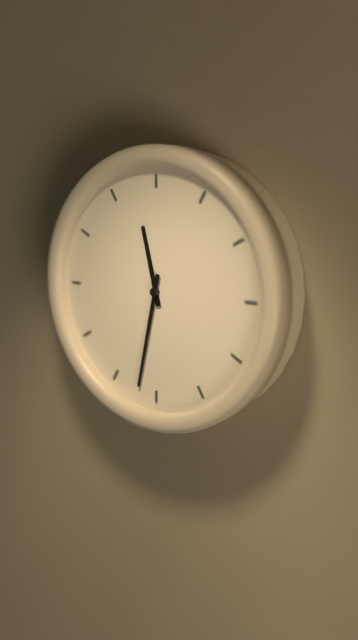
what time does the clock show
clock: 11:32
